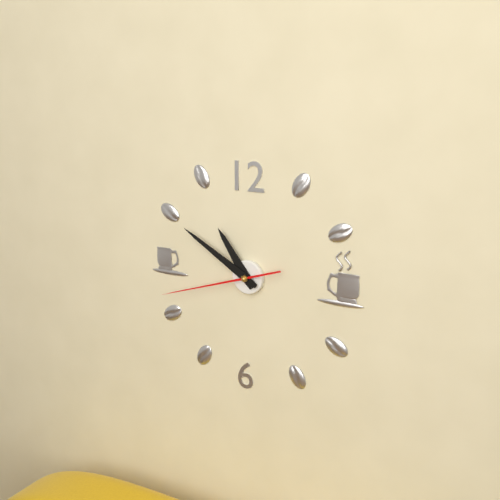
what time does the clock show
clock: 10:50:42
